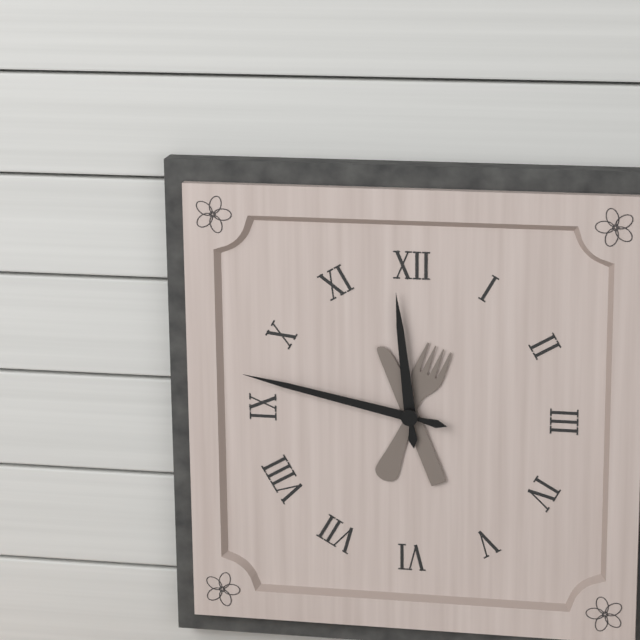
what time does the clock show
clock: 11:47
